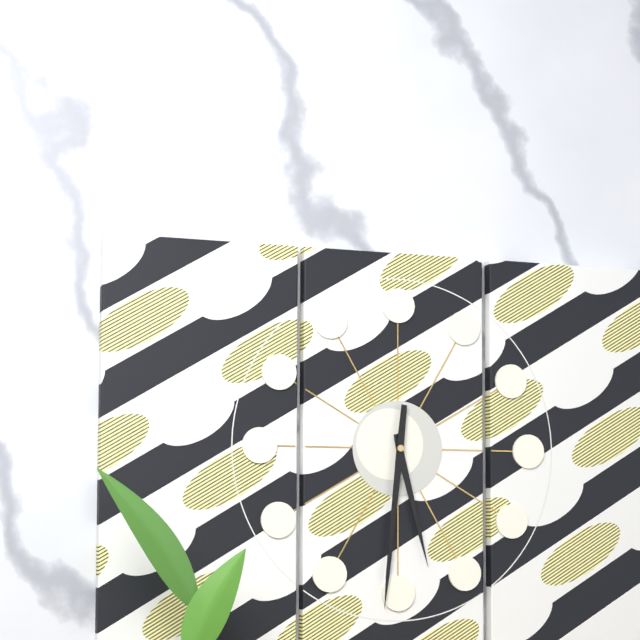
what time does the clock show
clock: 5:31
